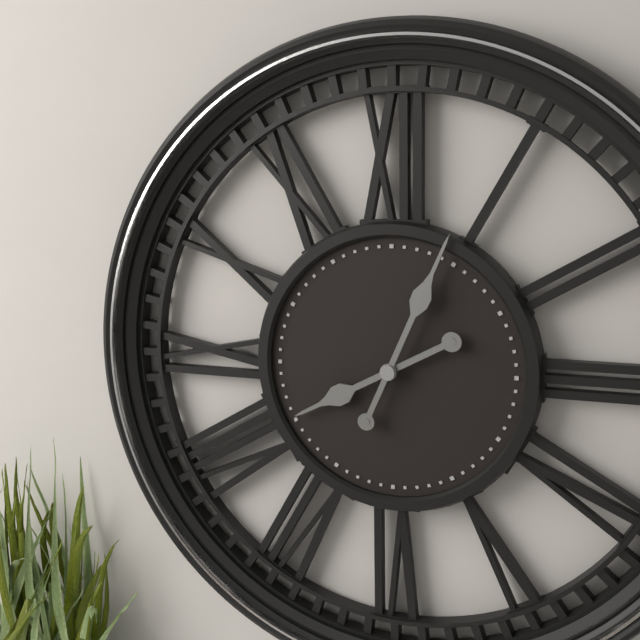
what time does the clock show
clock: 8:04
